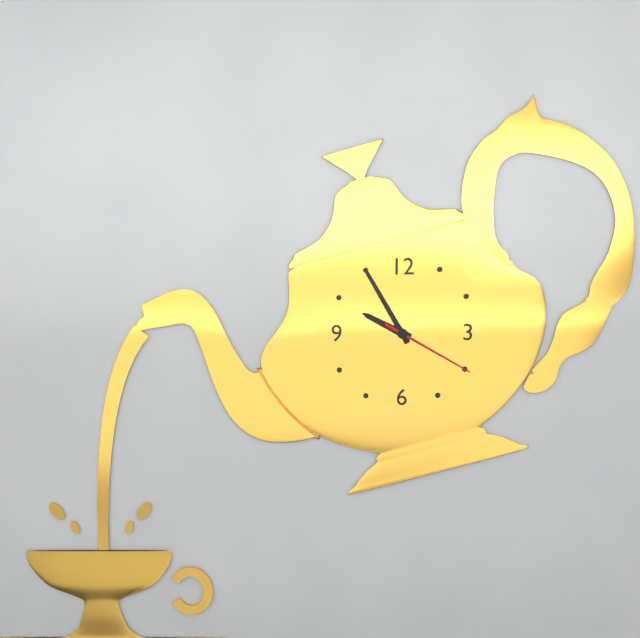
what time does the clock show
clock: 9:55:20
